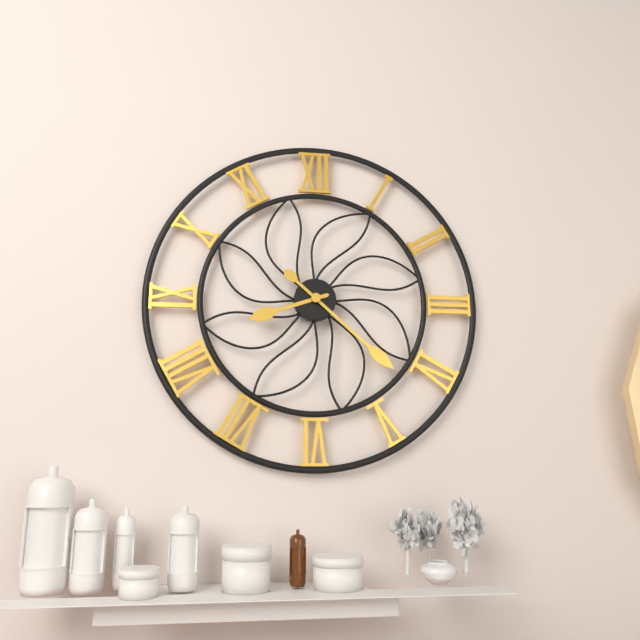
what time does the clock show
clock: 8:22
